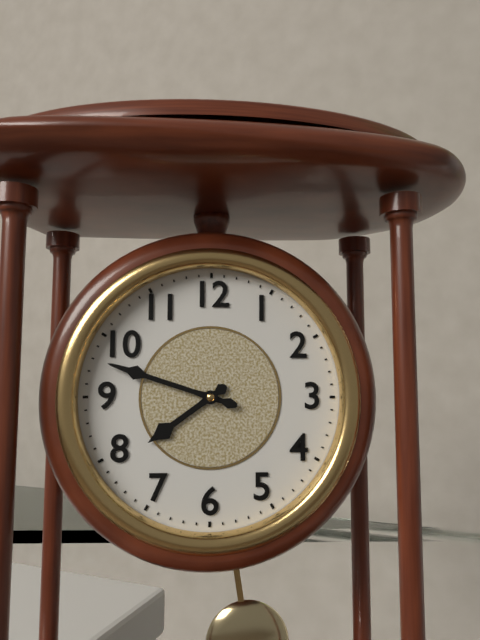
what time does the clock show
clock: 7:48
